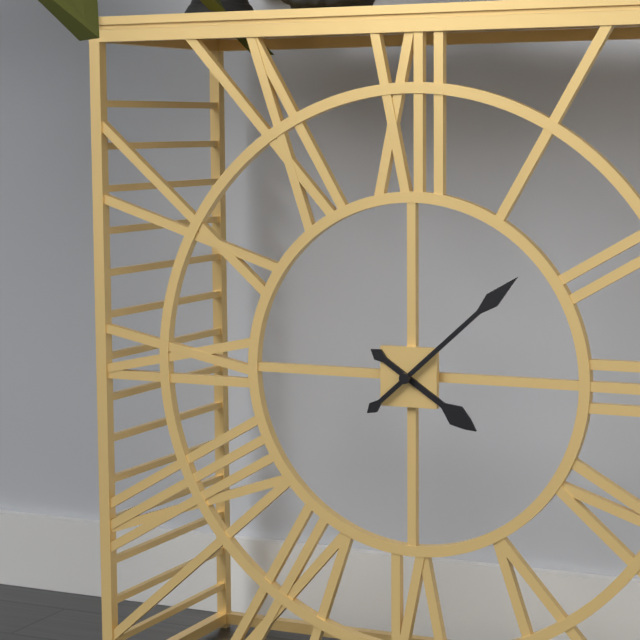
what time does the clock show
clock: 4:08
